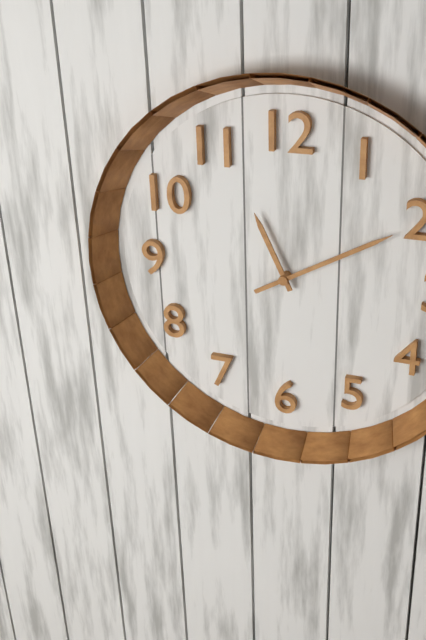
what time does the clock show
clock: 11:10
